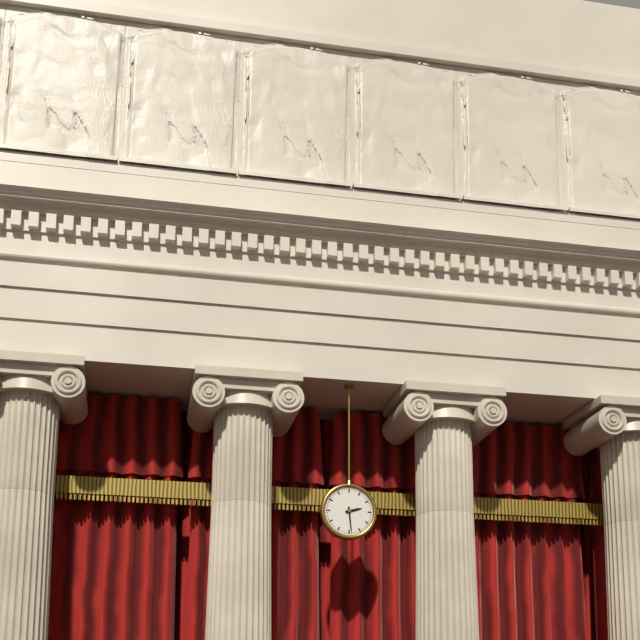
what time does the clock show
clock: 2:29
